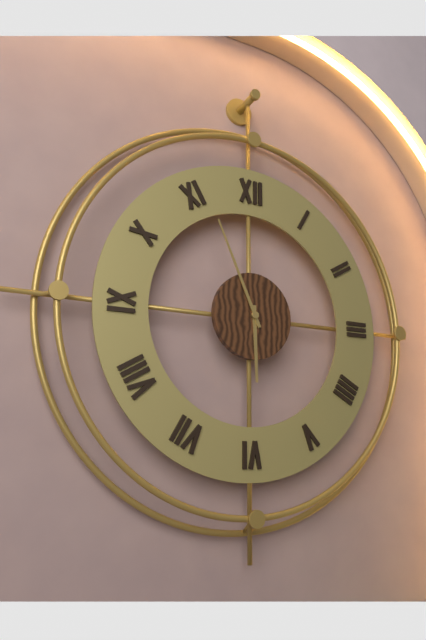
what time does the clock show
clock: 5:56
